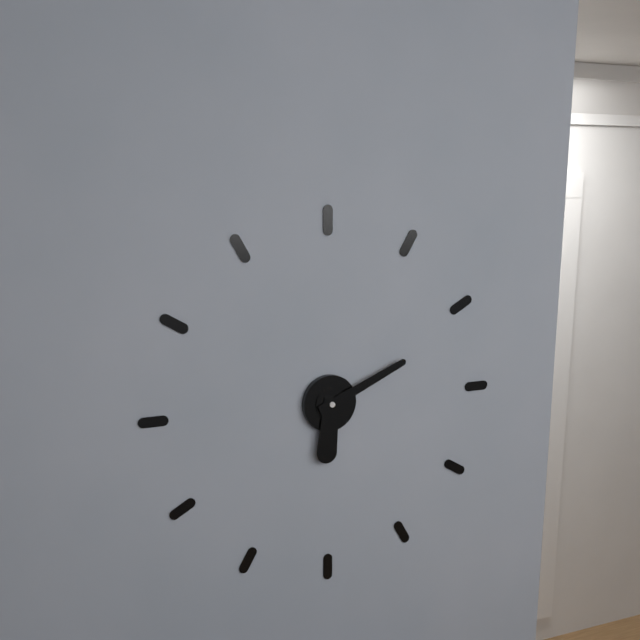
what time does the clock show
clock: 6:11
